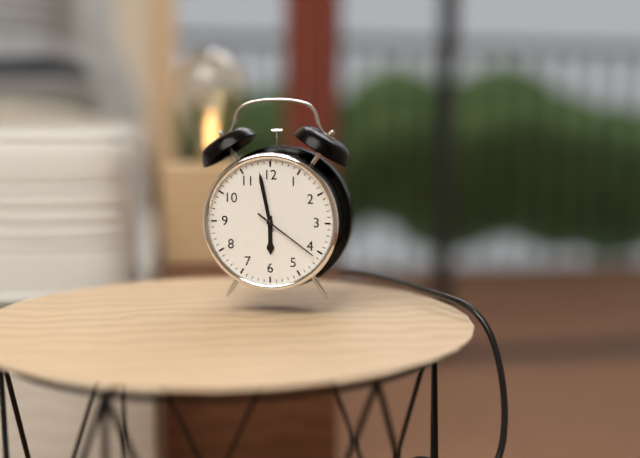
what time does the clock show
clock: 5:58:21
